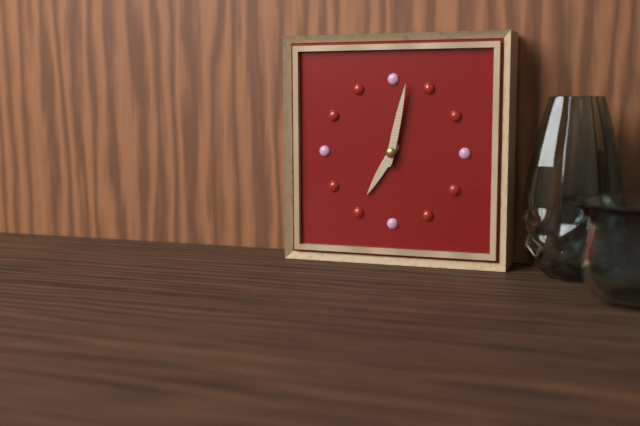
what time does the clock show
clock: 7:02
